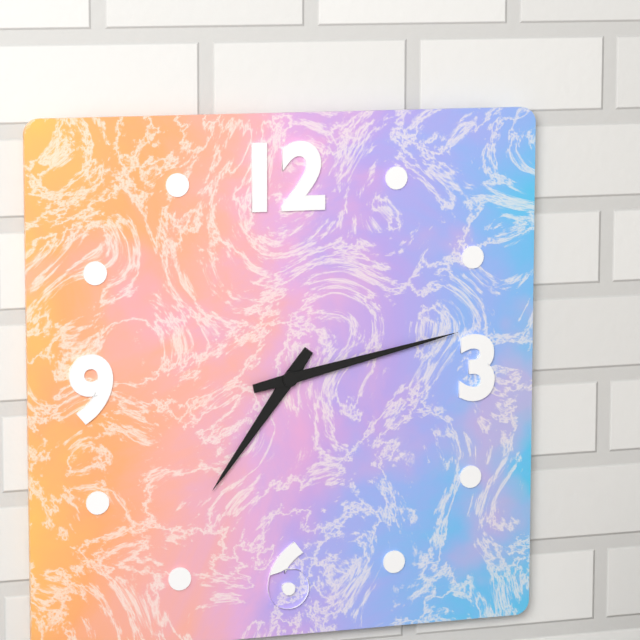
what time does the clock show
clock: 7:13
